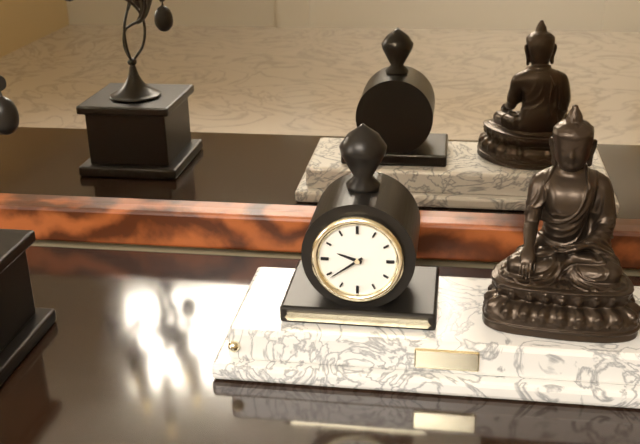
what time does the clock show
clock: 9:39
